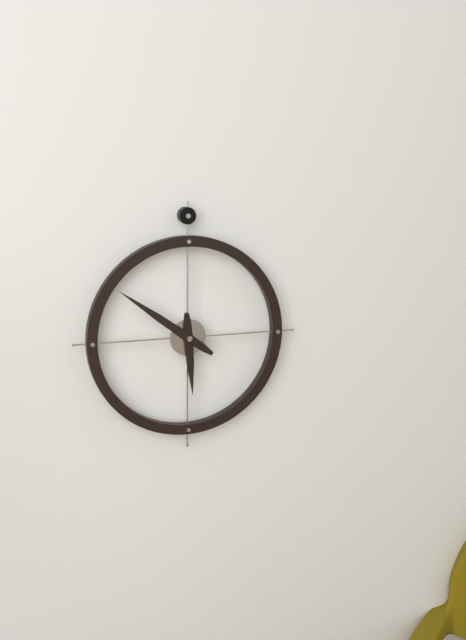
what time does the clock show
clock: 5:51
